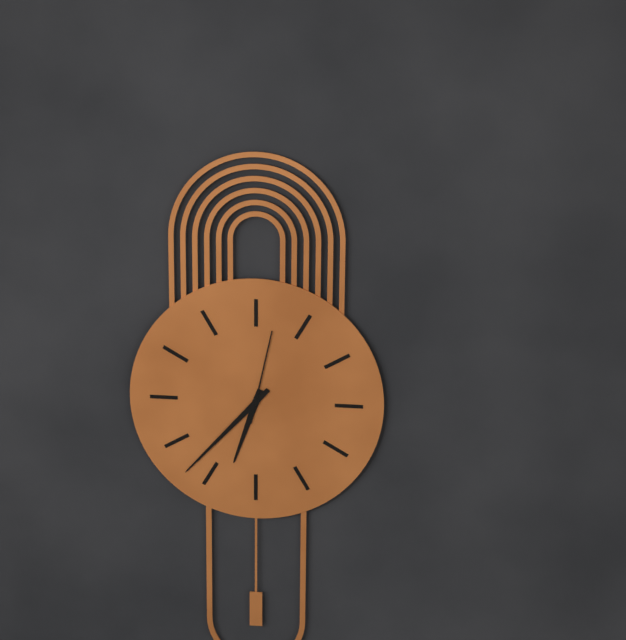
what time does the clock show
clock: 6:37:02
